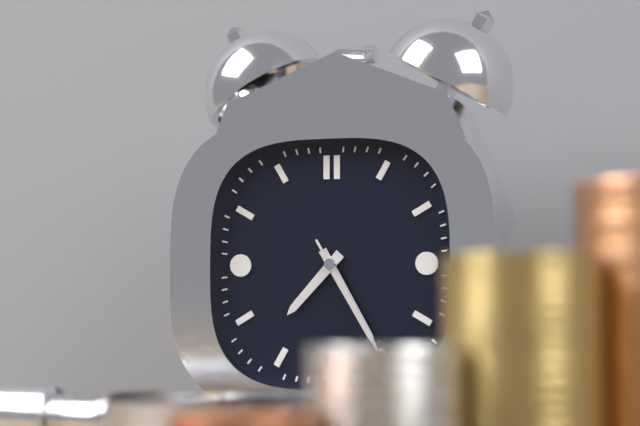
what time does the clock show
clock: 7:25:25
